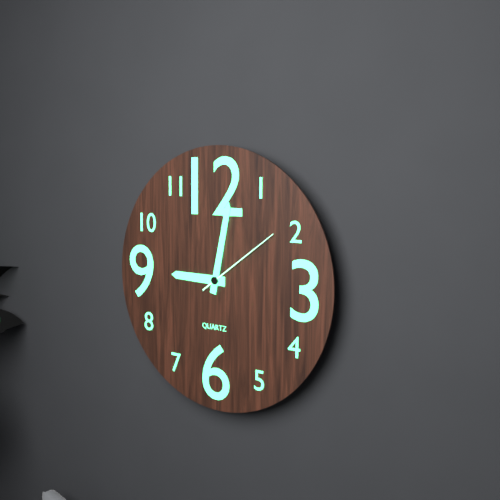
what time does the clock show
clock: 9:02:09
